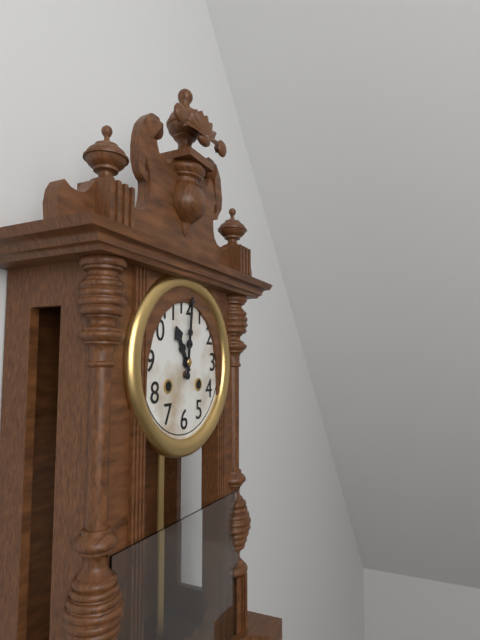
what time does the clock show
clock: 11:01
